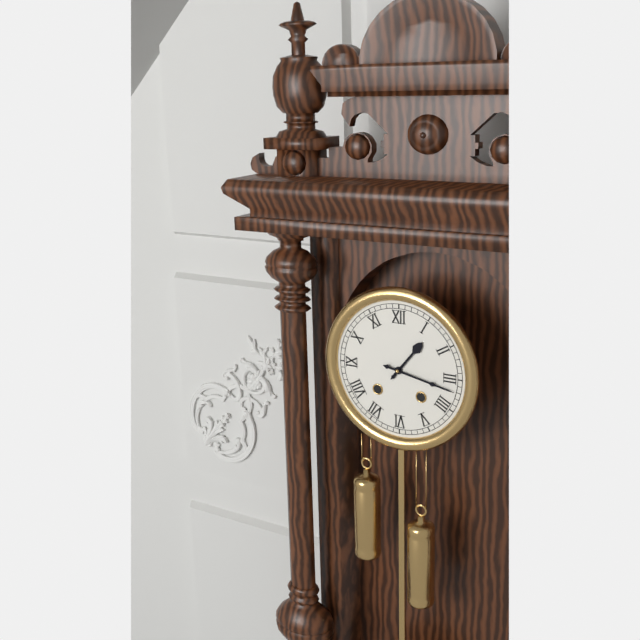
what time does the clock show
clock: 1:17
